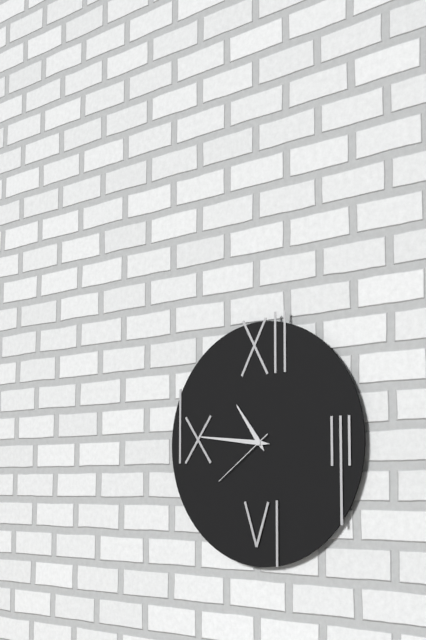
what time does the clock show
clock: 10:46:39
